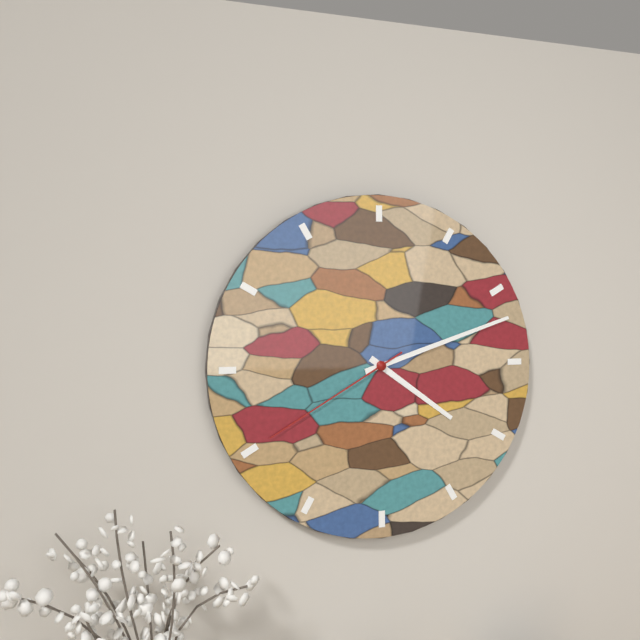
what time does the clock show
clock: 4:12:40
